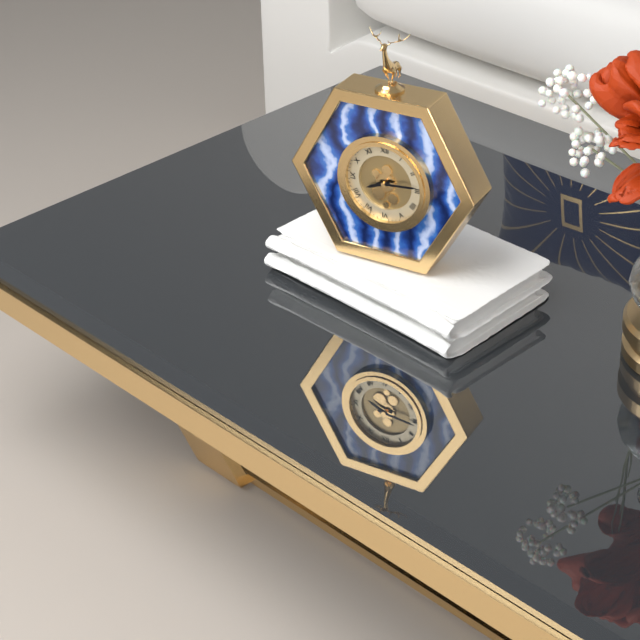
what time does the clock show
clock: 8:14
